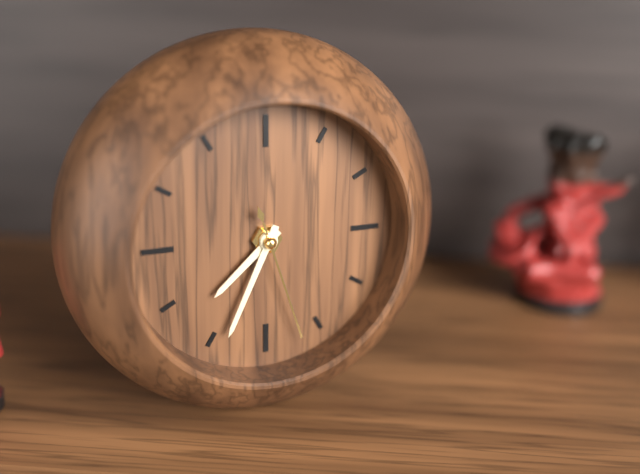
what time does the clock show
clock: 7:34:27
